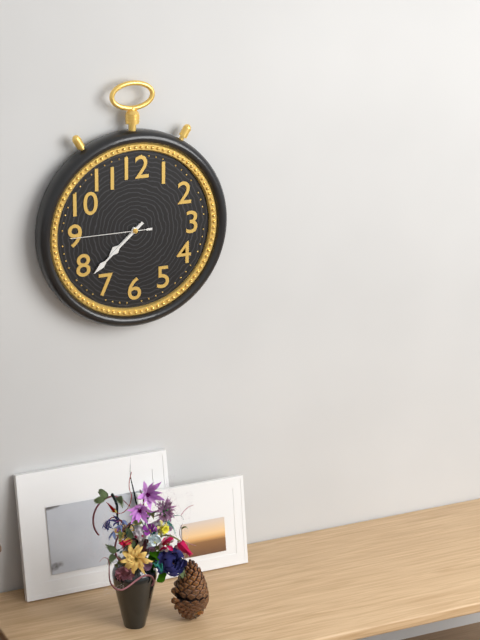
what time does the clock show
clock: 7:38:45
